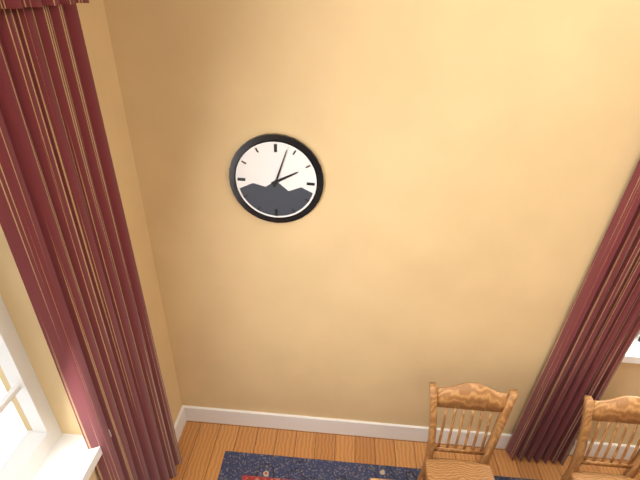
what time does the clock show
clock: 2:03
